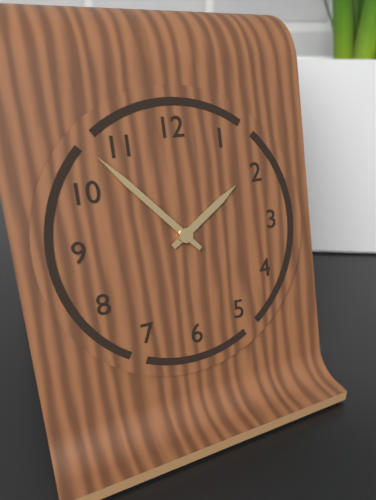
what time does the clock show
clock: 1:53
